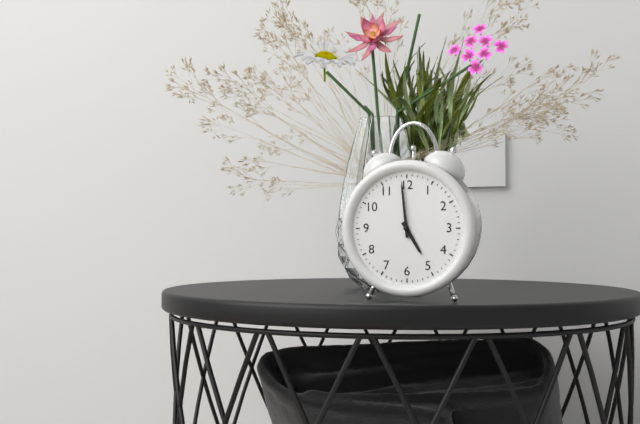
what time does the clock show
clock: 4:59
